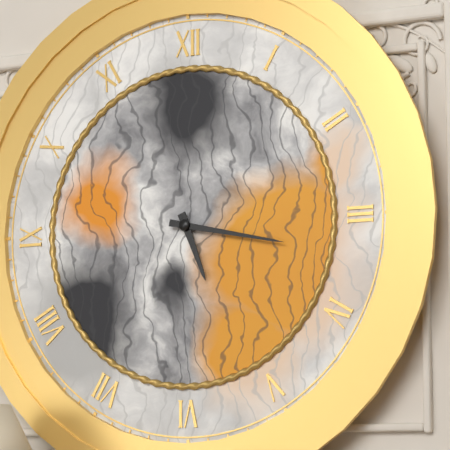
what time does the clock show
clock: 5:17
